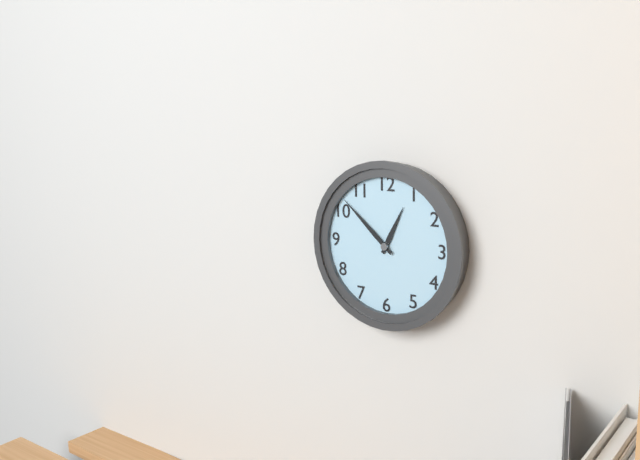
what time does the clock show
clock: 12:52
